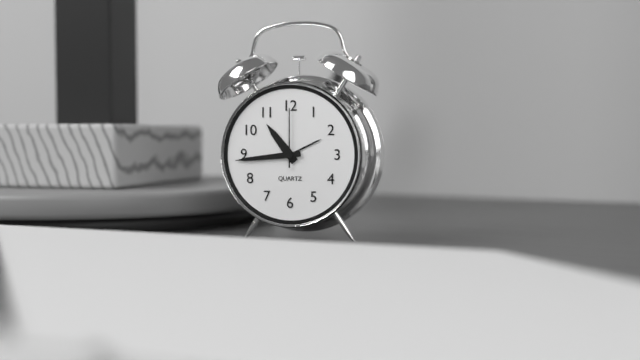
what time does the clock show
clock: 10:44:00
